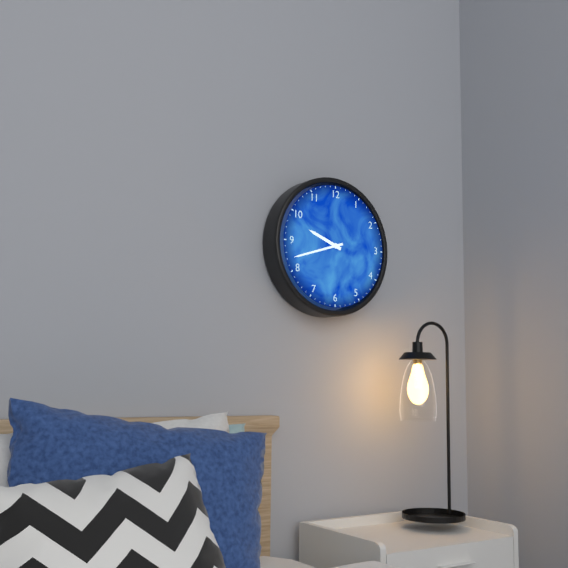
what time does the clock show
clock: 9:42
